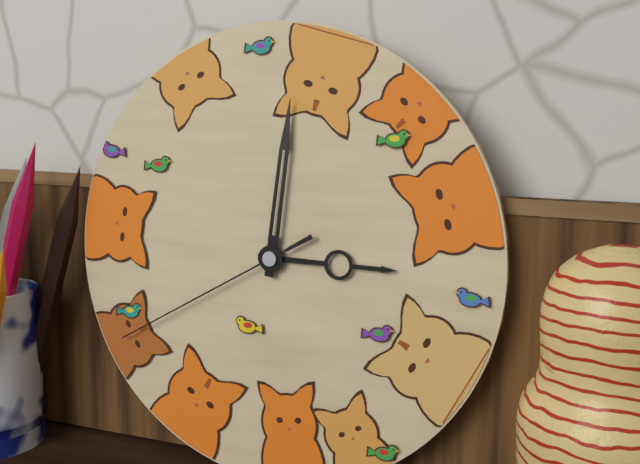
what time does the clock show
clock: 3:01:40
